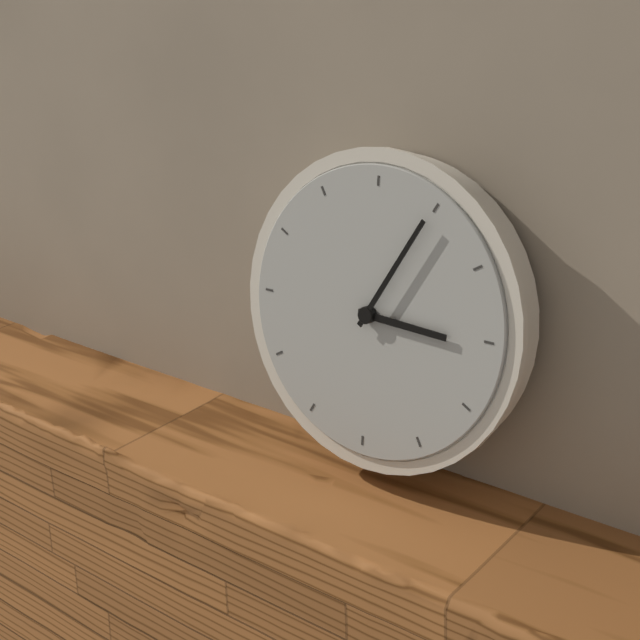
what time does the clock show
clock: 3:05
